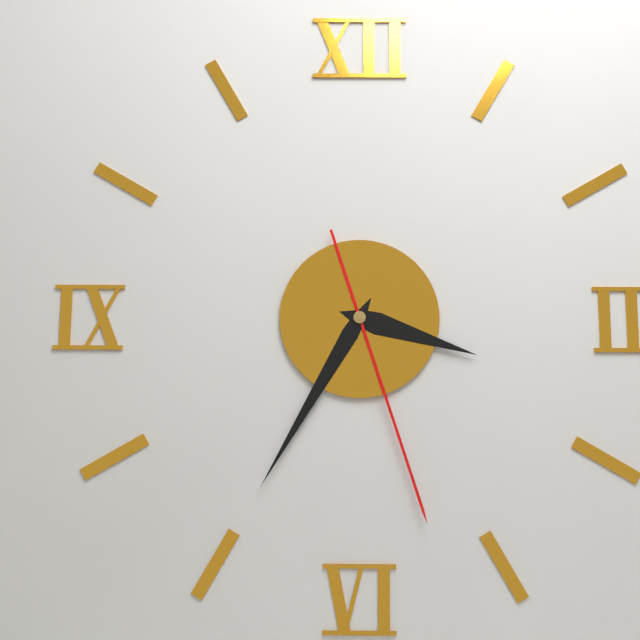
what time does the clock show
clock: 3:35:27
